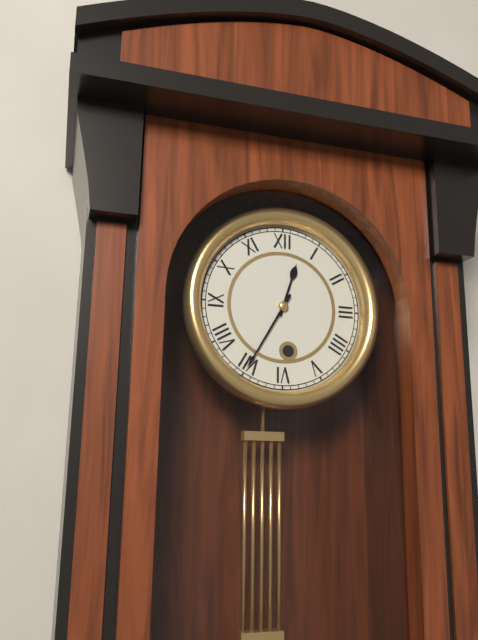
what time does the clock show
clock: 12:35
